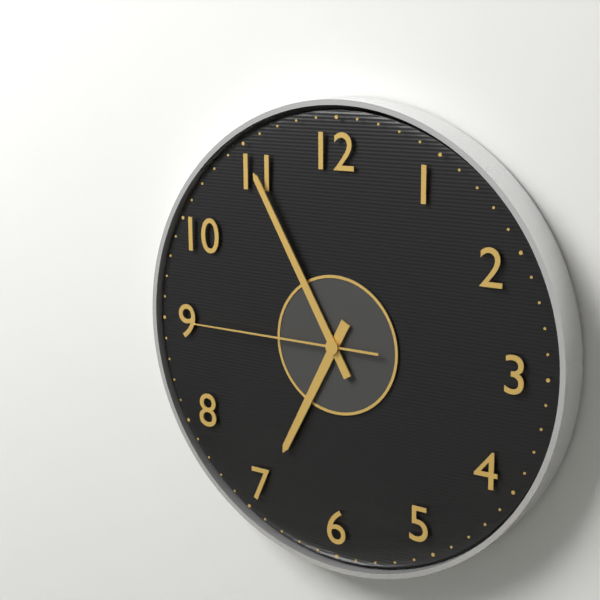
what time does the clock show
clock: 6:55:45
